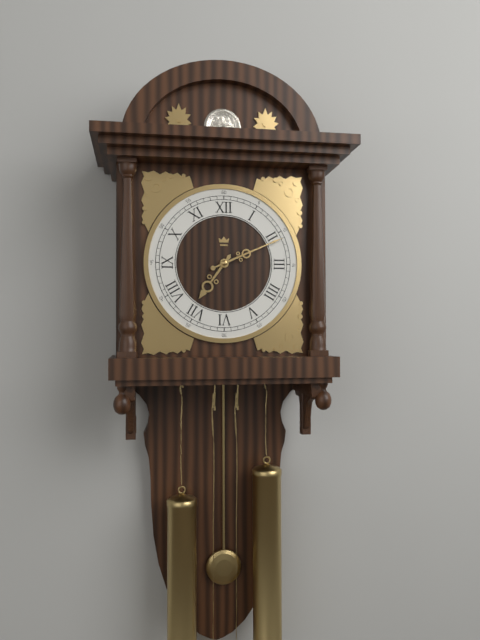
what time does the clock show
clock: 7:11
